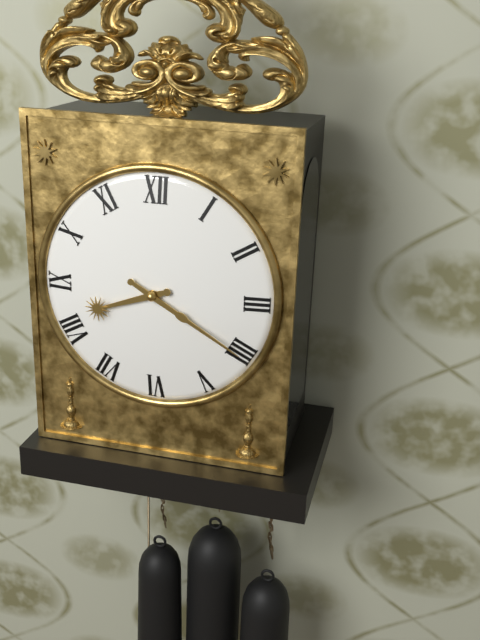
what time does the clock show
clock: 8:20
